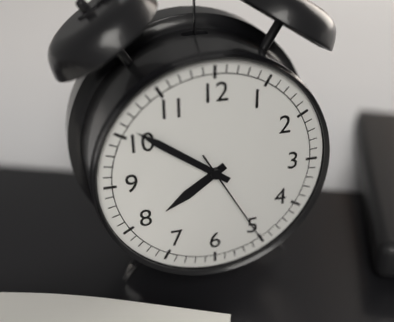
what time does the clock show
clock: 7:51:25
